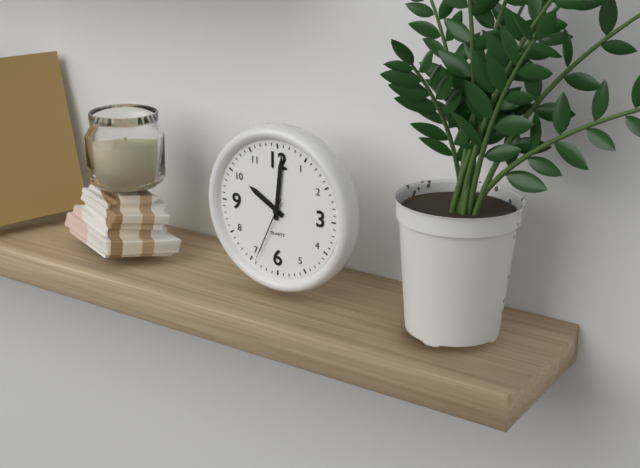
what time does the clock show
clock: 10:01:34
